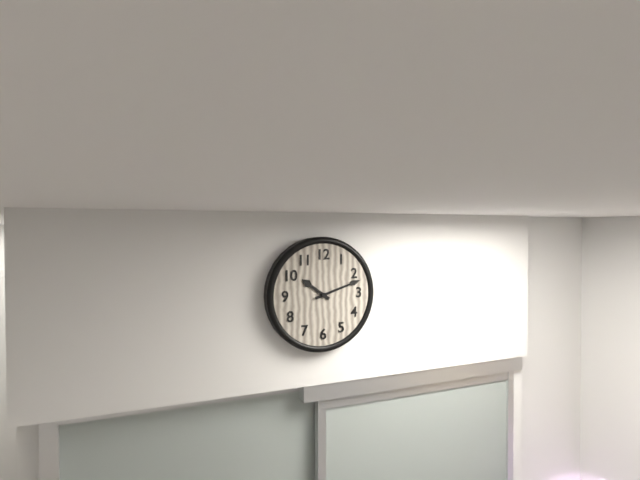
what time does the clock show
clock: 10:12
